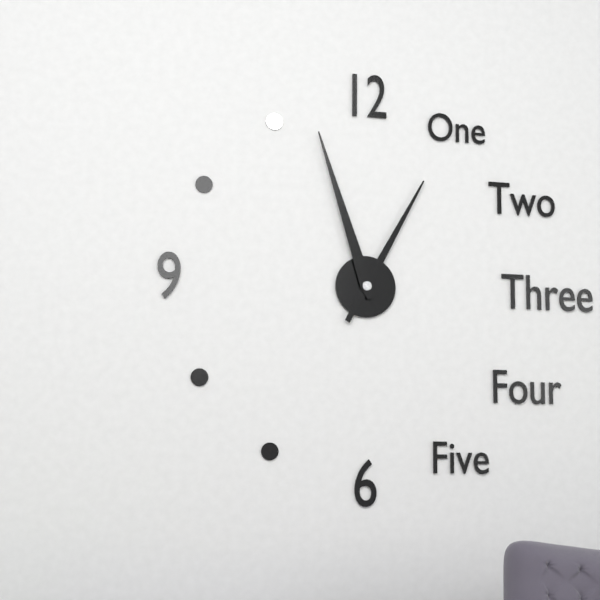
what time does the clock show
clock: 12:57
